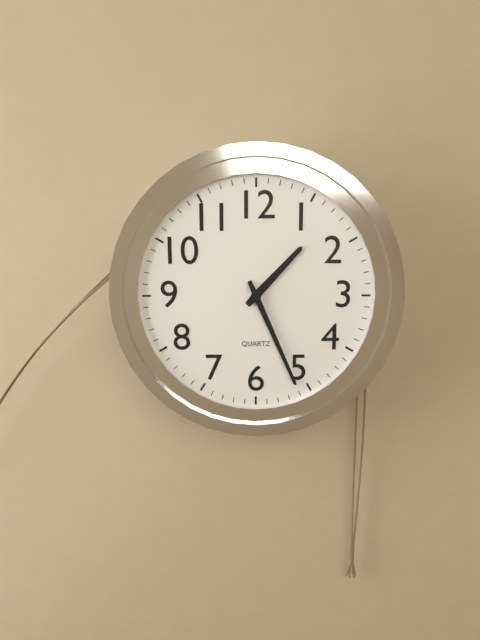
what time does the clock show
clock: 1:26
